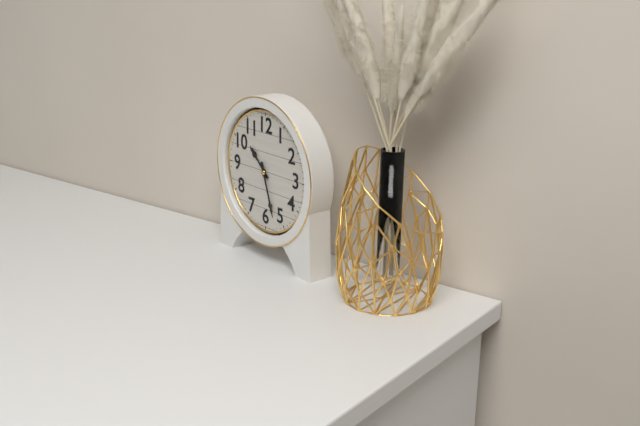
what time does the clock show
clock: 10:27
